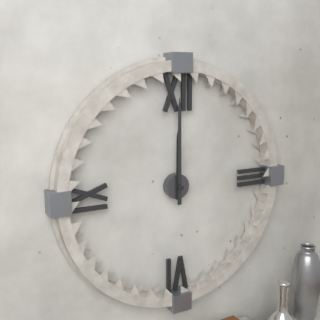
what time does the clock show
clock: 12:00
